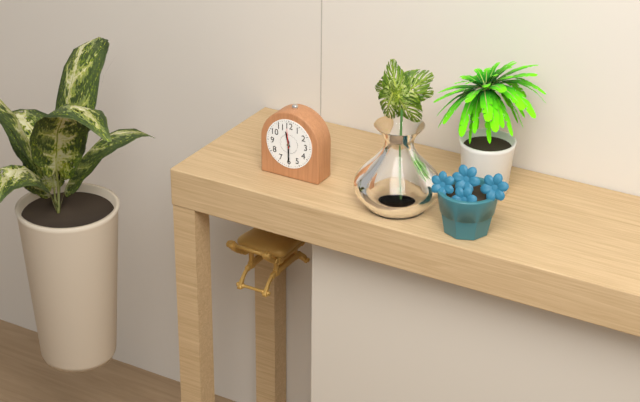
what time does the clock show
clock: 11:30
